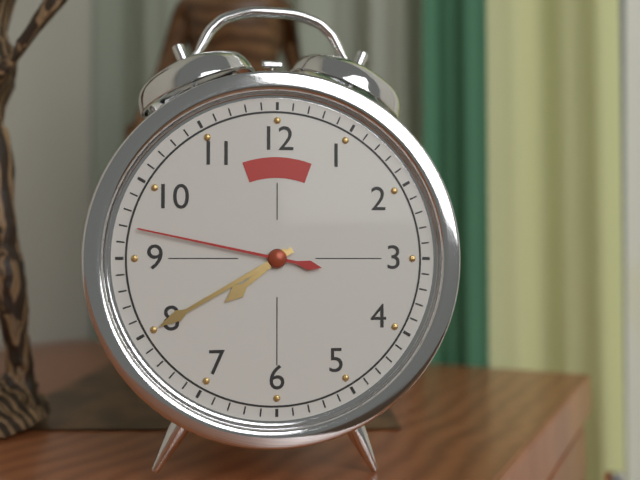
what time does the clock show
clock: 7:40:47
